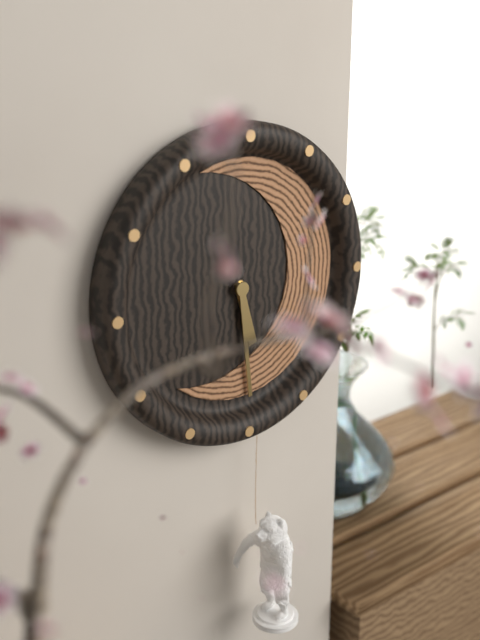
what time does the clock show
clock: 5:29
